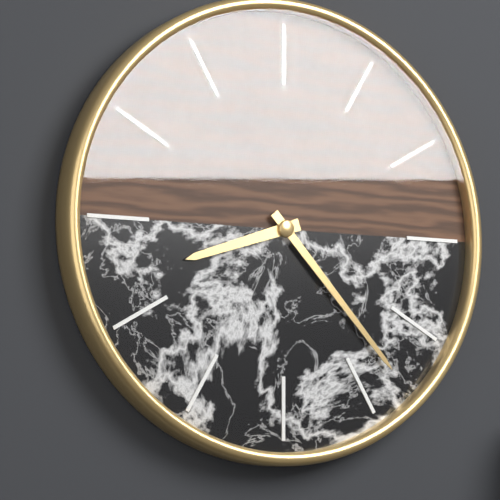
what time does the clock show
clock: 8:23
